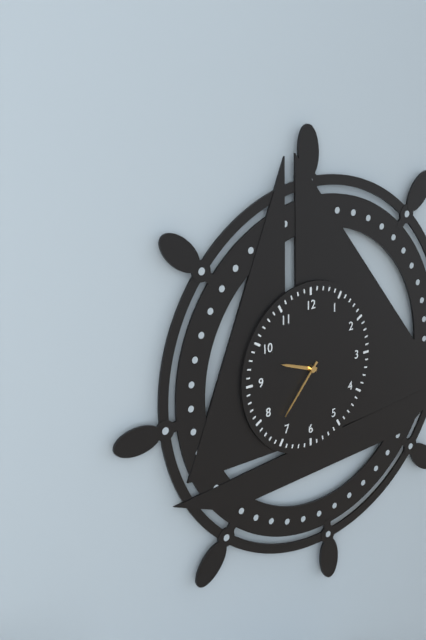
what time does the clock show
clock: 9:37
